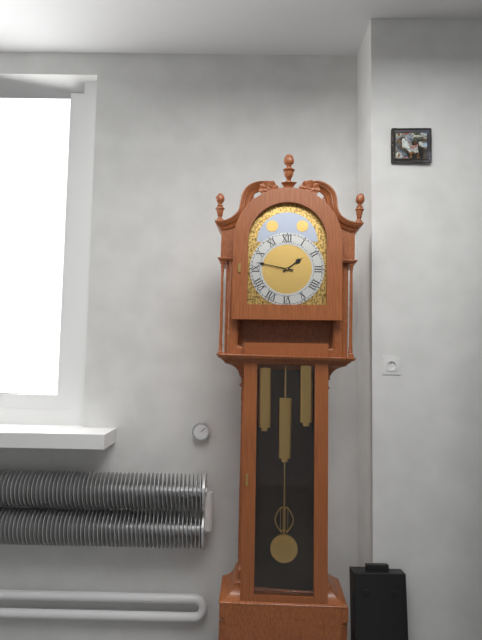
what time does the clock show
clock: 1:47
